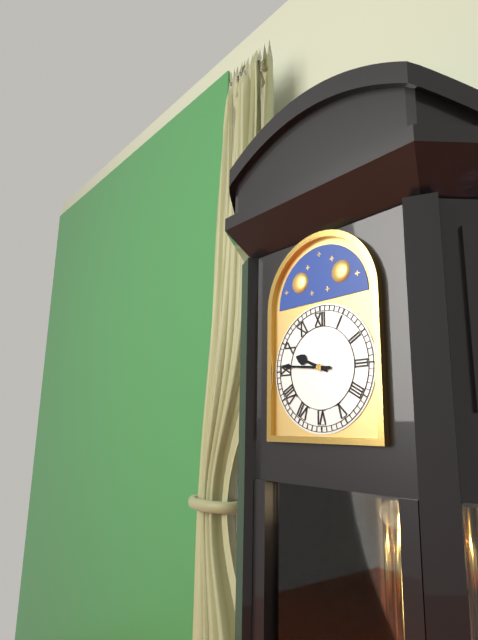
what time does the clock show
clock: 9:46
